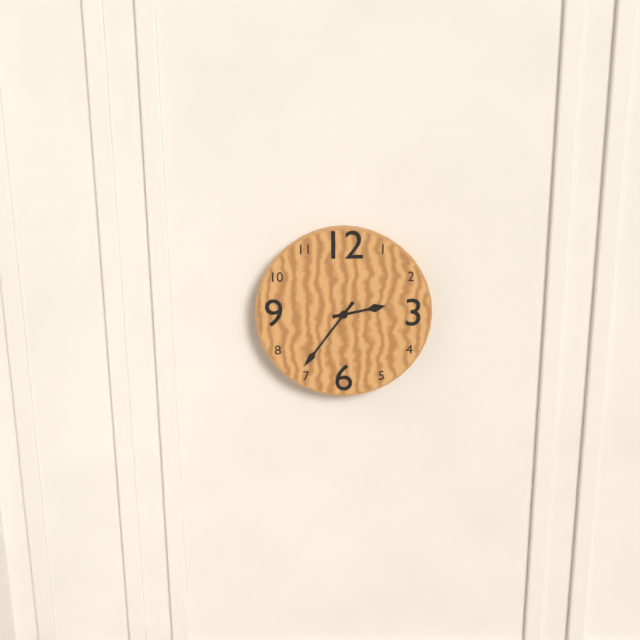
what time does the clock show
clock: 2:36
